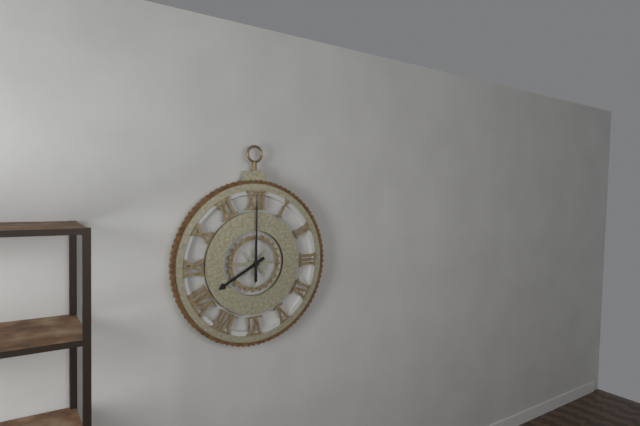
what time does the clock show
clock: 8:00
